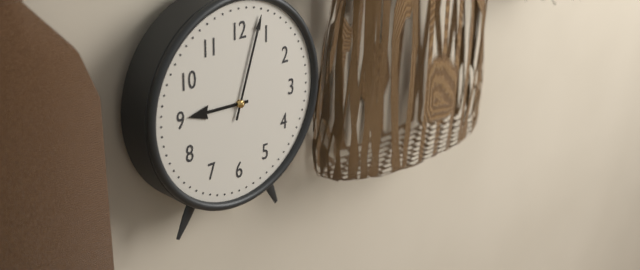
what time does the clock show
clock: 9:03
